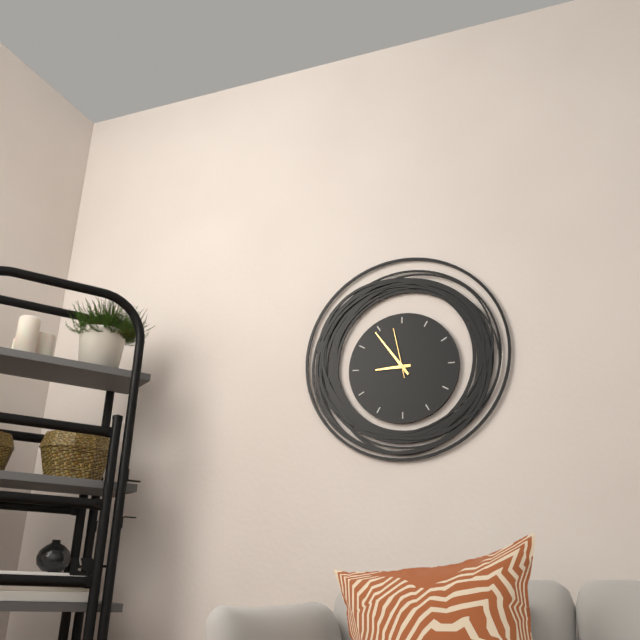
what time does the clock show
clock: 8:54:58
